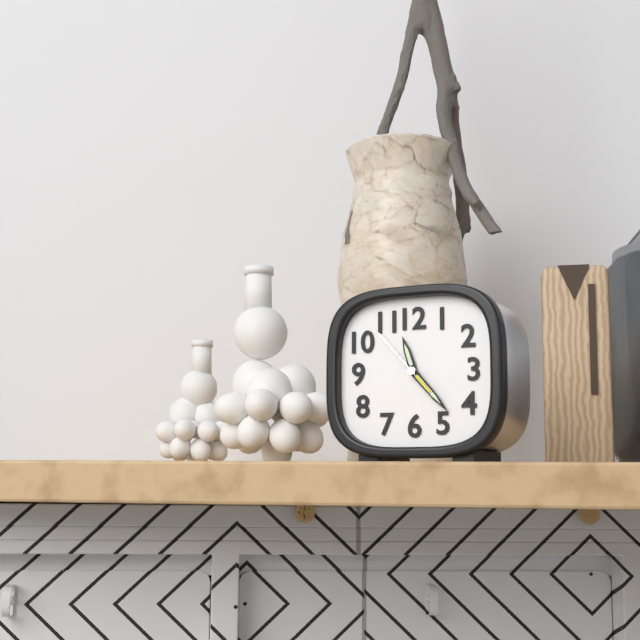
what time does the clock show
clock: 11:23:53
